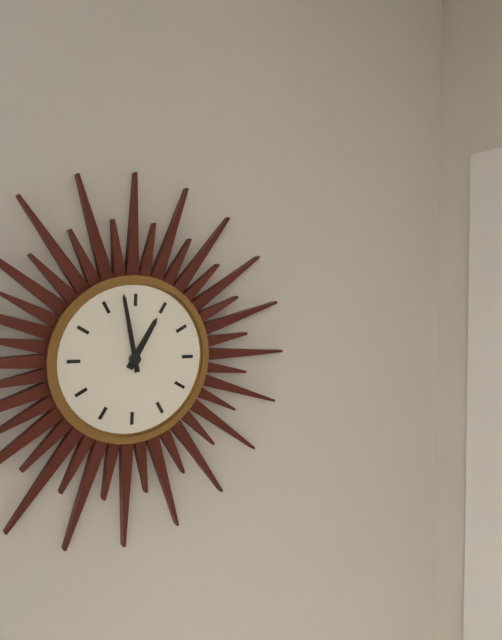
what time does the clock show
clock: 12:58
